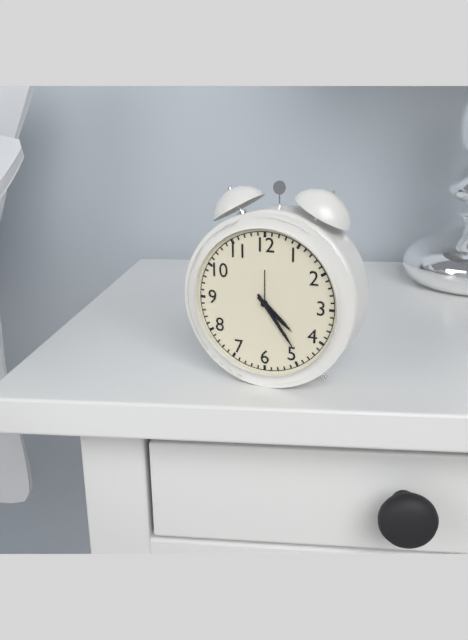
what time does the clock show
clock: 4:24
